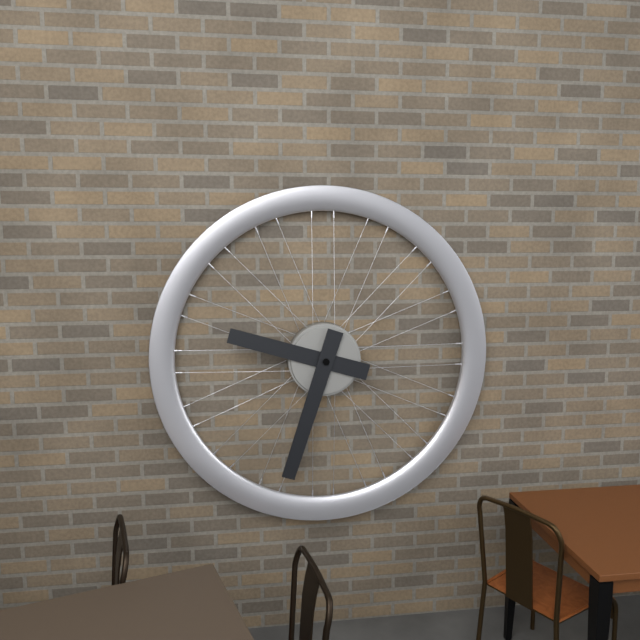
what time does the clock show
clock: 9:33
